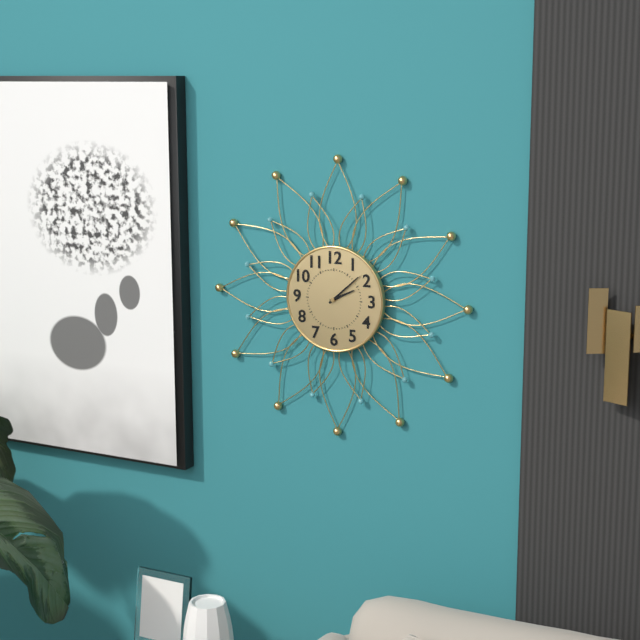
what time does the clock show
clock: 2:08
